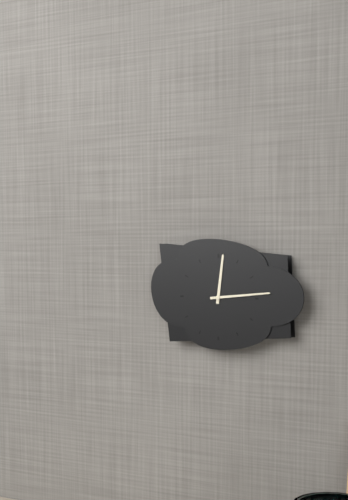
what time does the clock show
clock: 12:14
